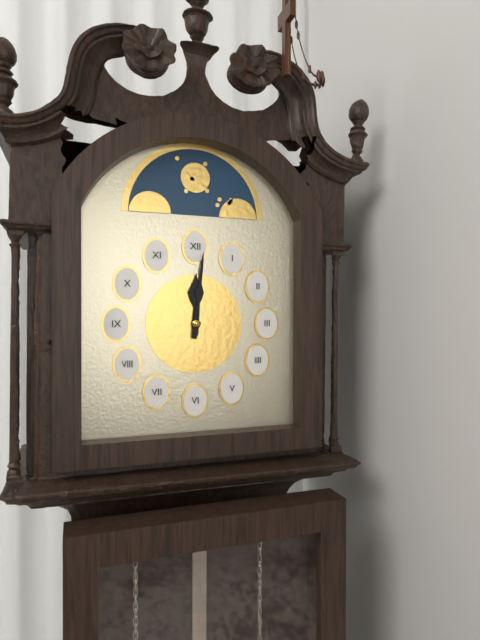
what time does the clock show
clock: 12:01
